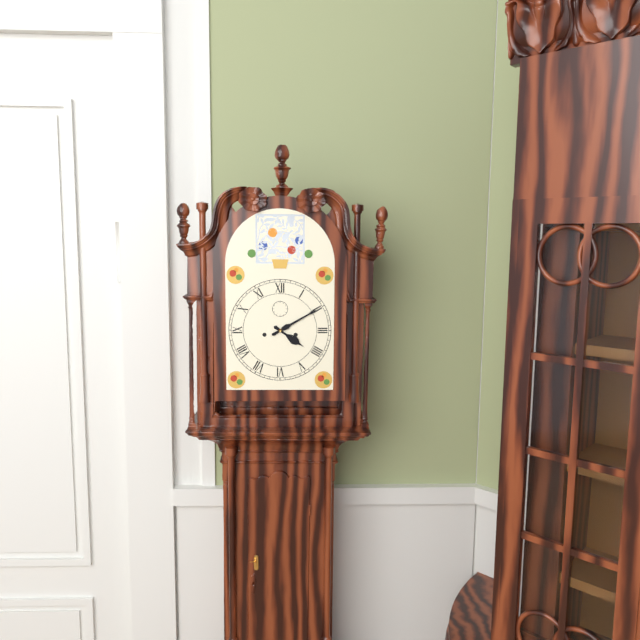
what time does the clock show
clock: 4:10
